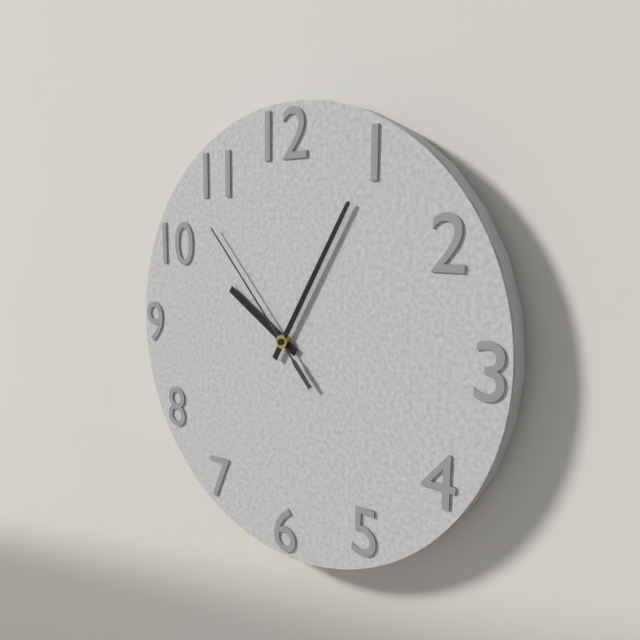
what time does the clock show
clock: 10:05:53
